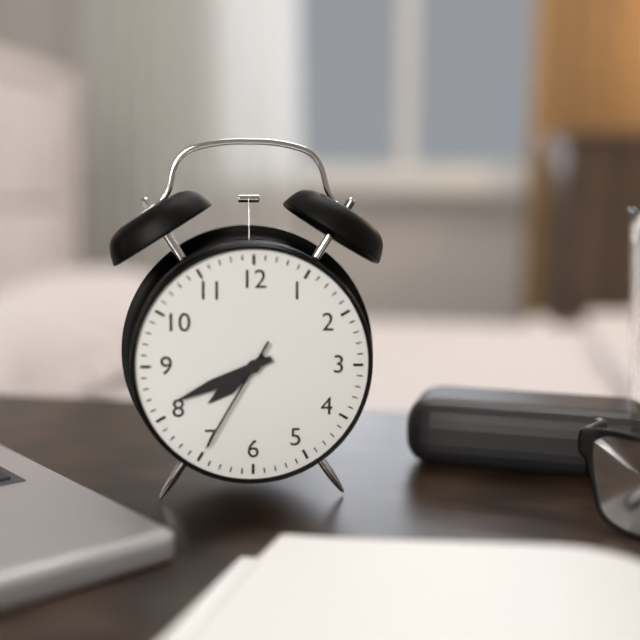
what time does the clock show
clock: 7:41:35
